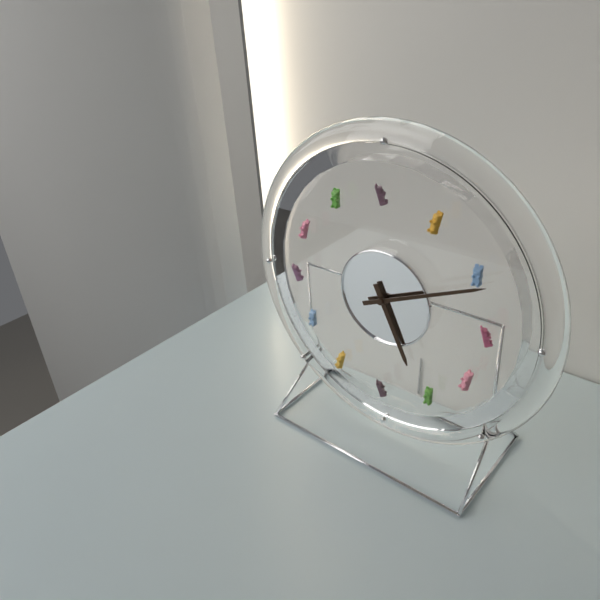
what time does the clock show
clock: 5:11
